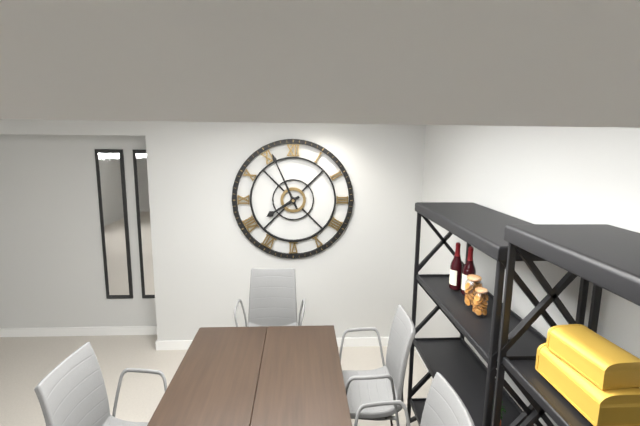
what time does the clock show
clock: 7:56
